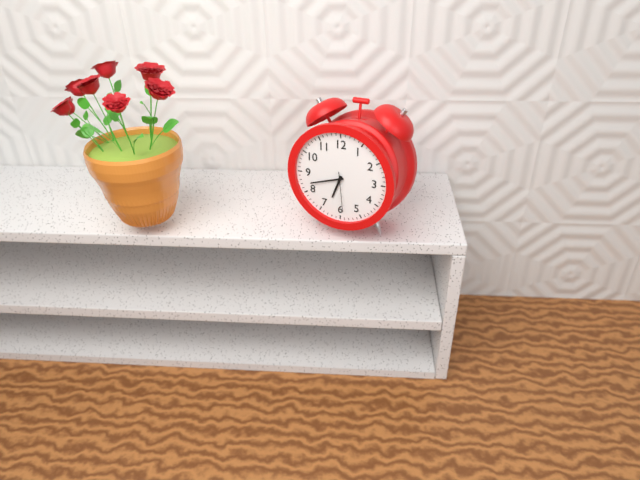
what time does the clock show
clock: 6:42
